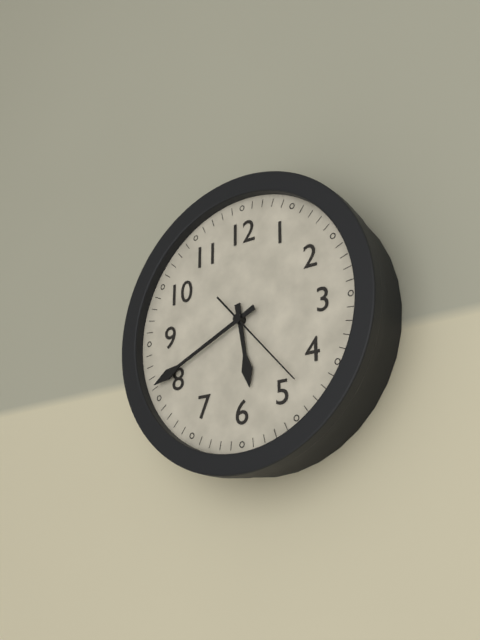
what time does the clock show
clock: 5:41:23
